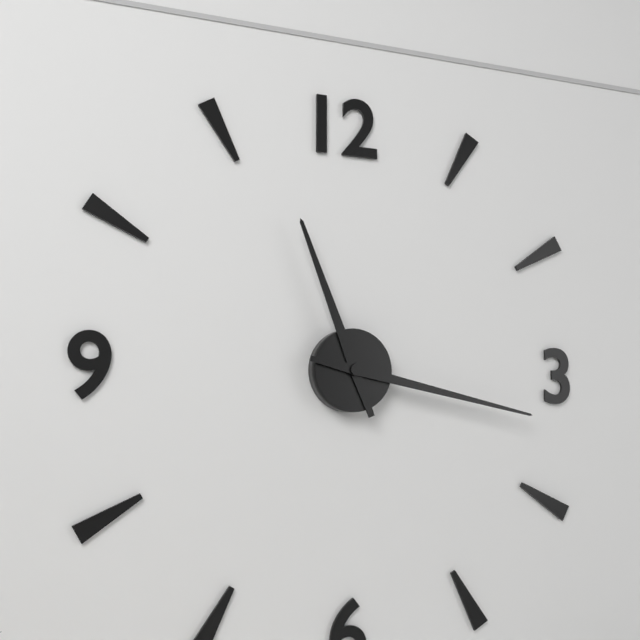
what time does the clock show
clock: 11:17
